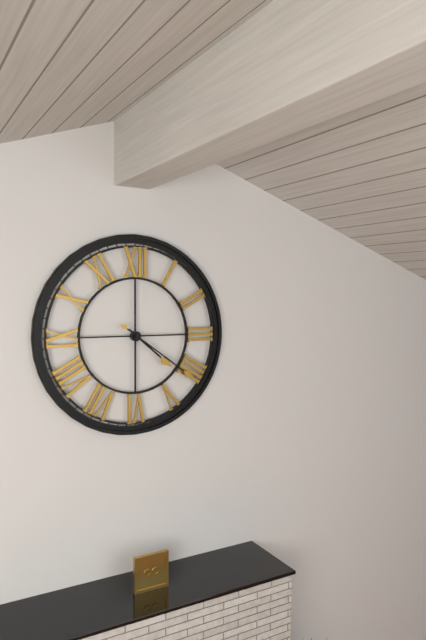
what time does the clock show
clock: 4:21
